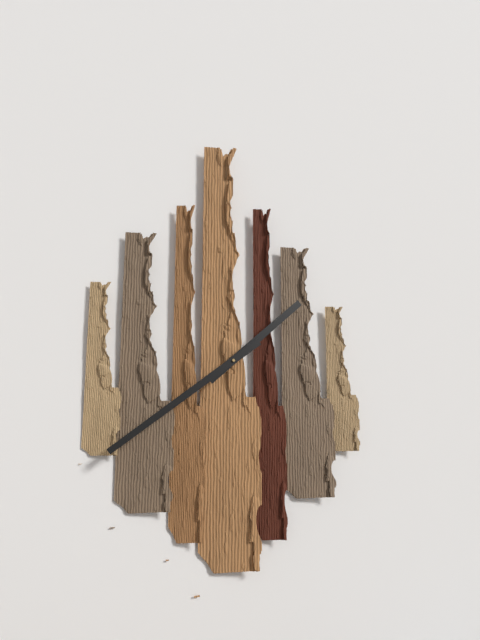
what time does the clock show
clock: 1:39
